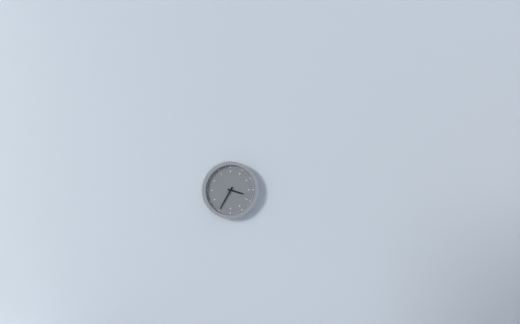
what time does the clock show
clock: 3:35
